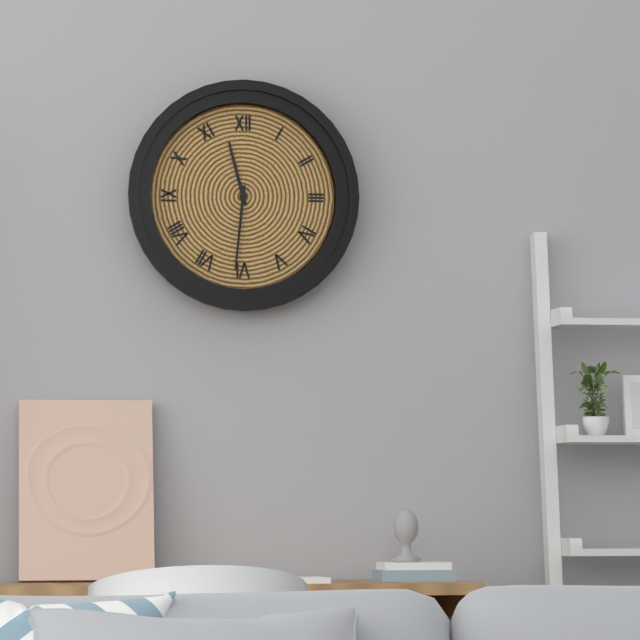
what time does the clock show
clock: 11:31
